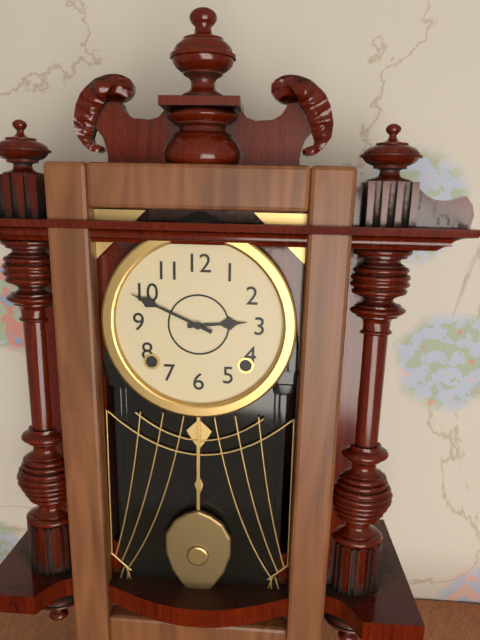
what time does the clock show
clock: 2:49
